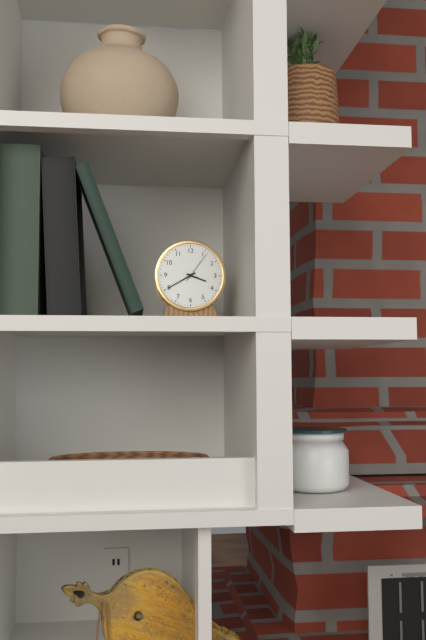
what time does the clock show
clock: 3:40
